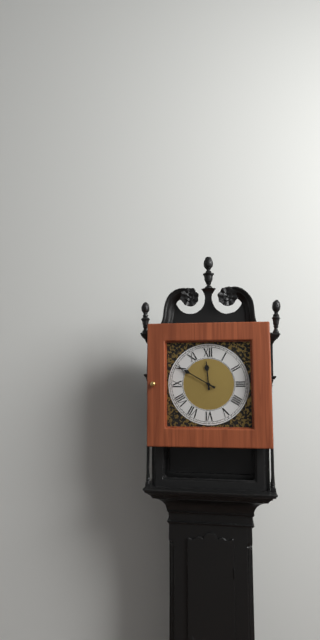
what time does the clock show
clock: 11:50
